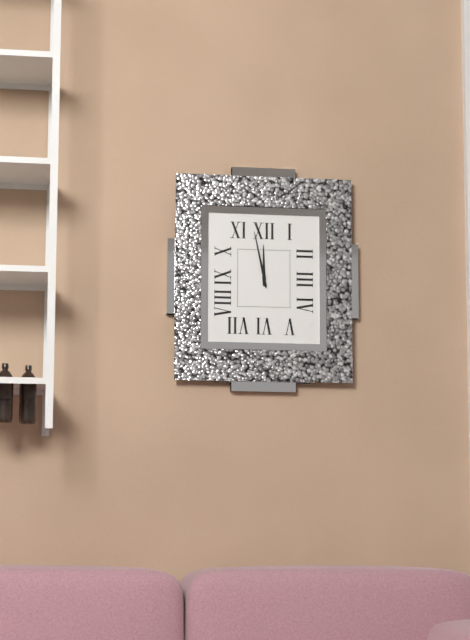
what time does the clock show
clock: 11:58
